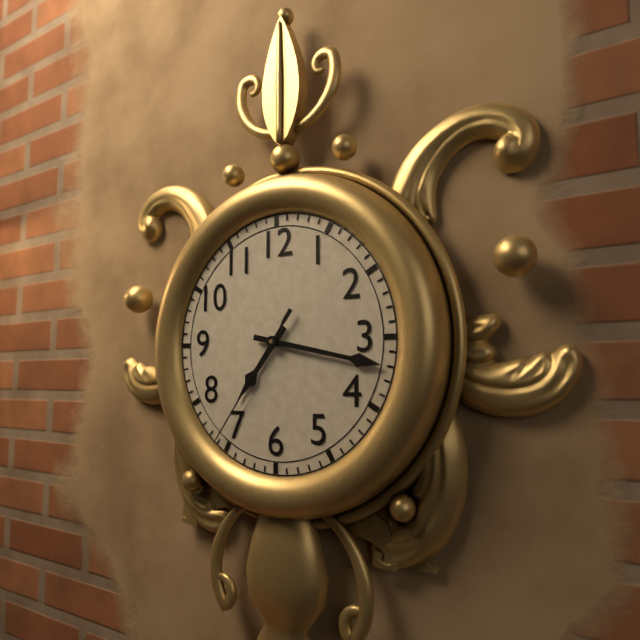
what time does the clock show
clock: 7:17:36
